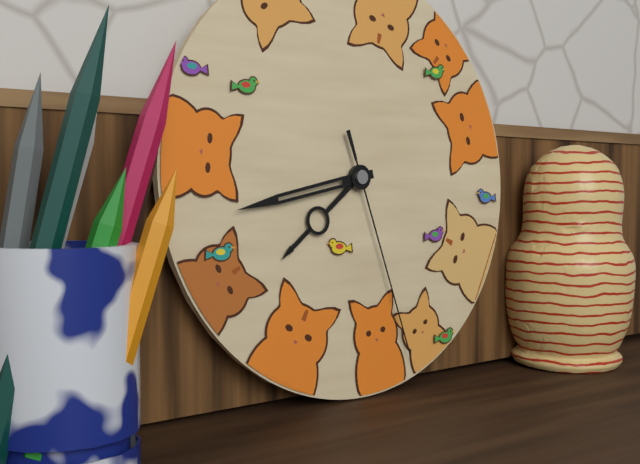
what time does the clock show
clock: 7:43:27
